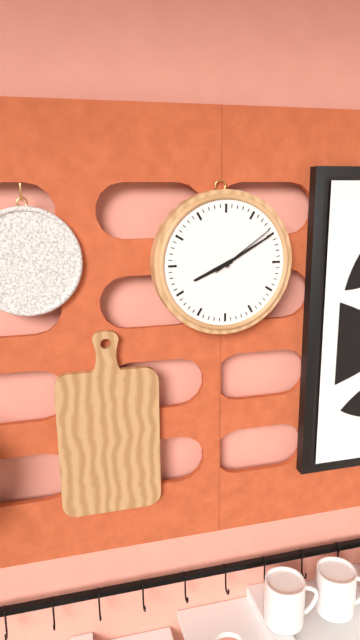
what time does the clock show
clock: 8:10:09
